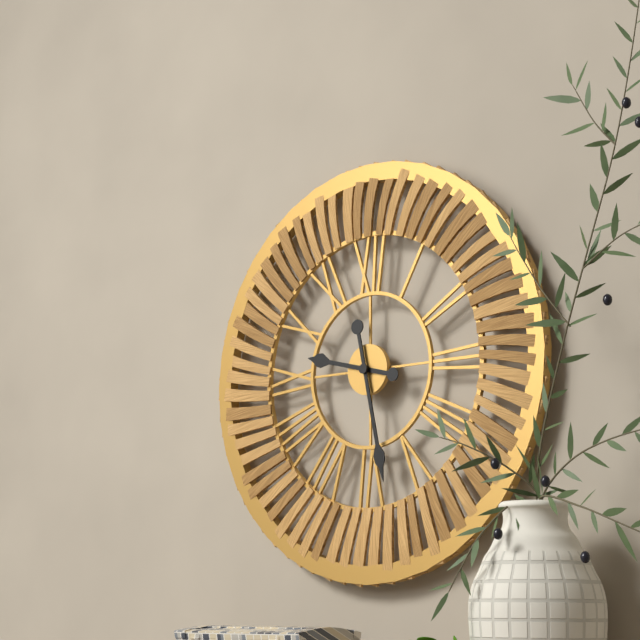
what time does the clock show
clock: 9:28
